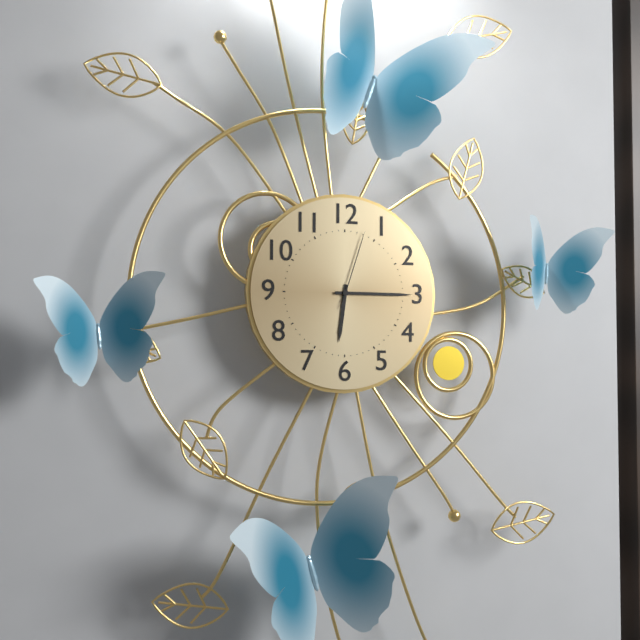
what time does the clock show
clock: 6:15:03
